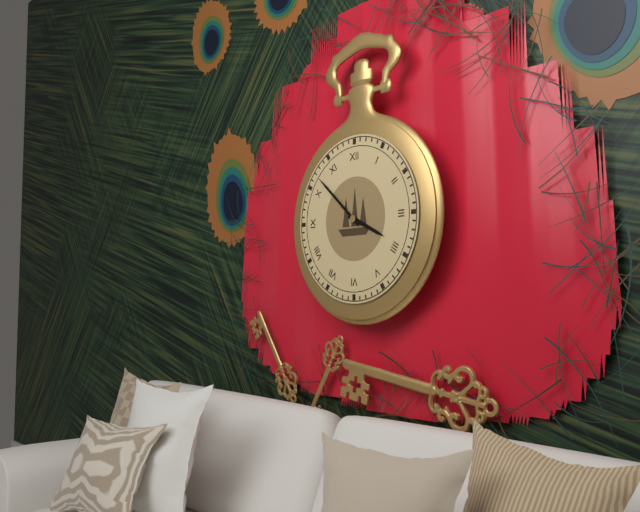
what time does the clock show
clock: 3:52
